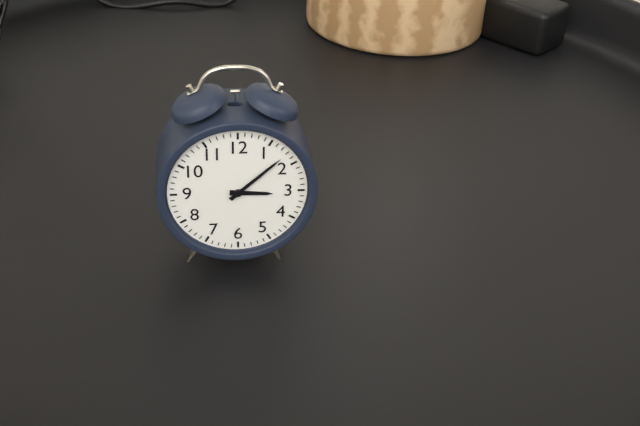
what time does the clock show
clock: 3:08
